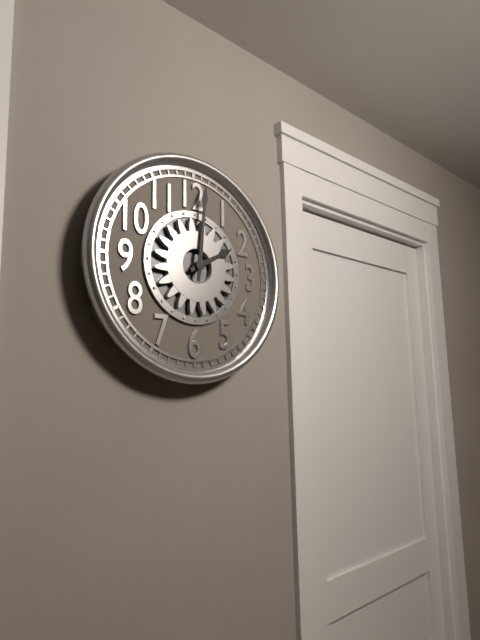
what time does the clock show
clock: 2:01
